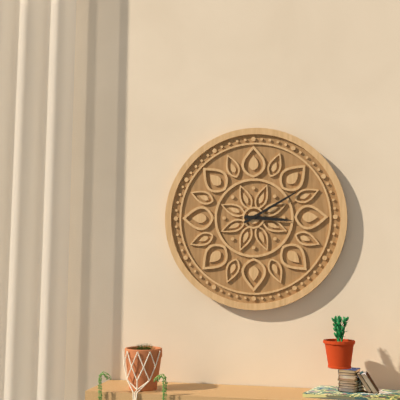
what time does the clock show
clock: 3:10
